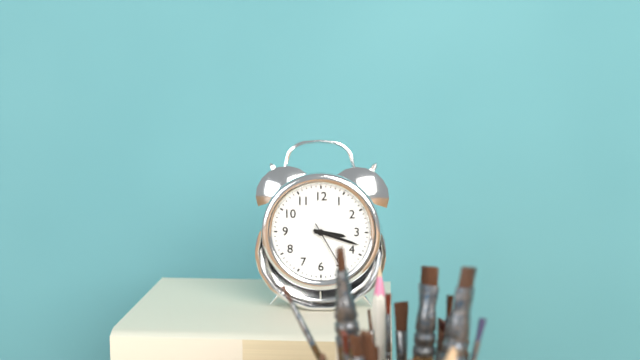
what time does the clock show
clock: 3:18:25
